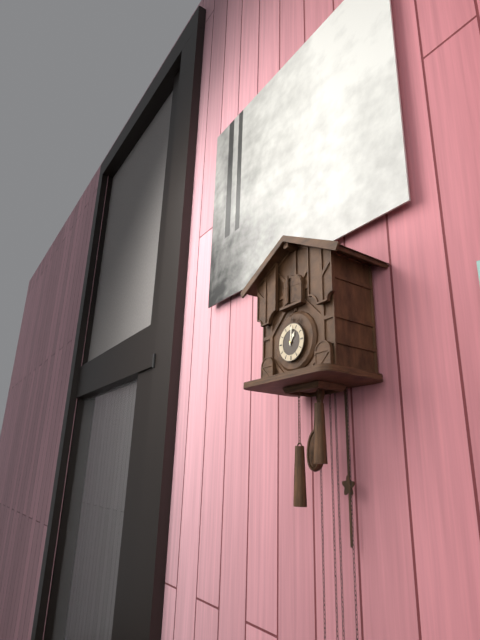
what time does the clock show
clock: 1:01
